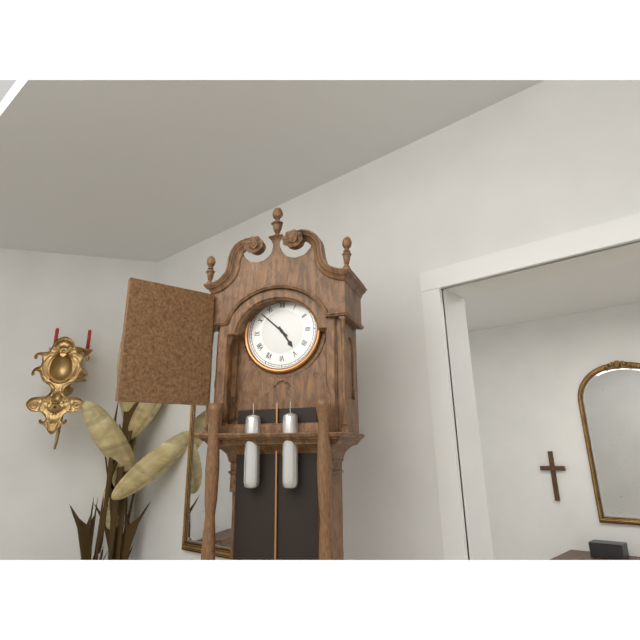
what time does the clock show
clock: 4:52
